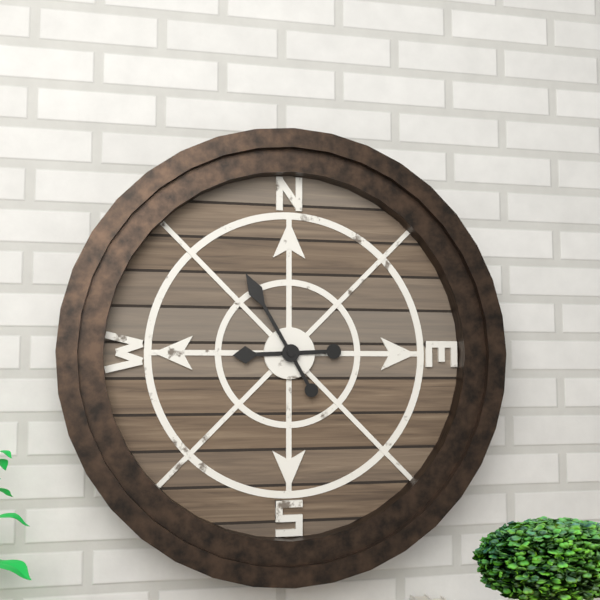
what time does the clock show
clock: 8:55
